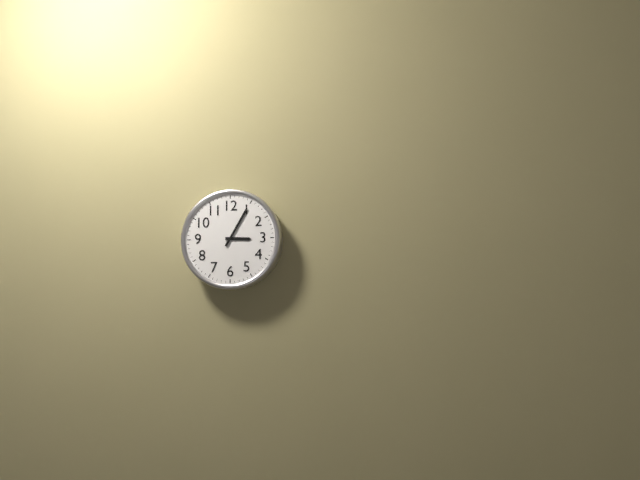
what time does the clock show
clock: 3:05
